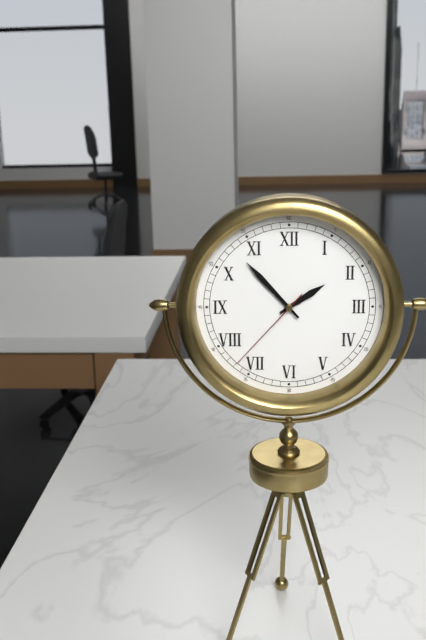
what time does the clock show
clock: 1:53:37
